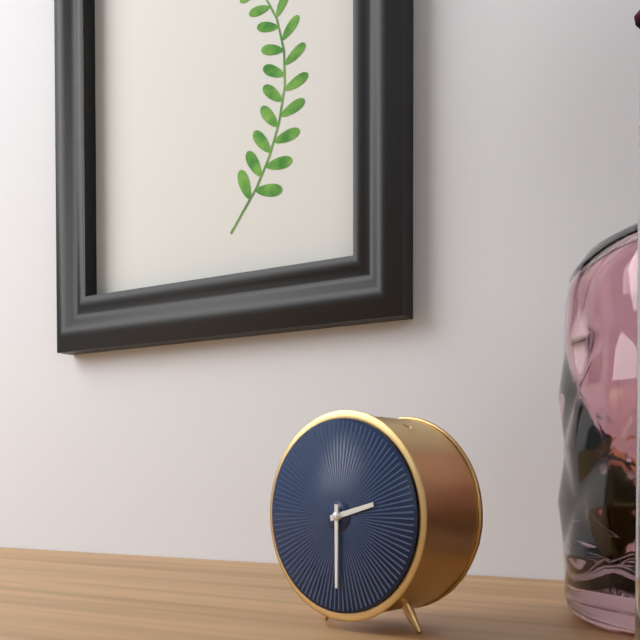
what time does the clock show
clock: 2:30
